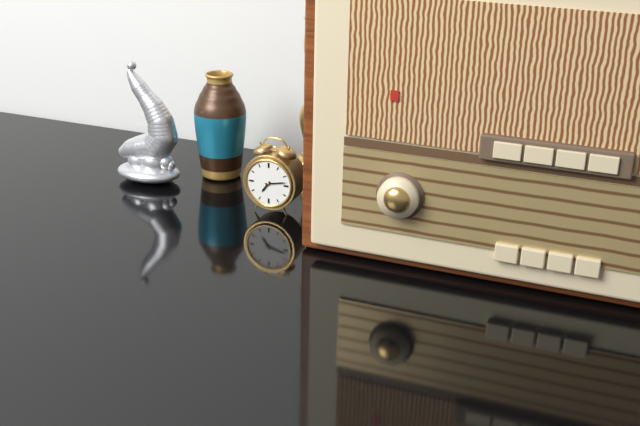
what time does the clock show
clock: 7:13
